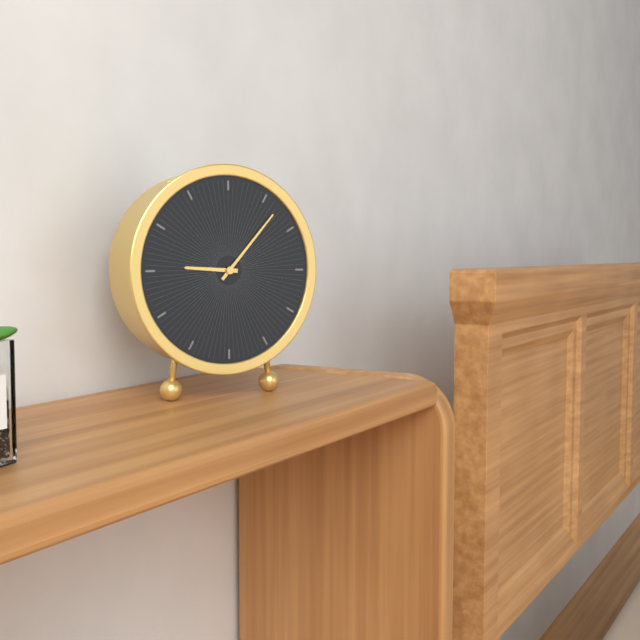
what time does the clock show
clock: 9:07
